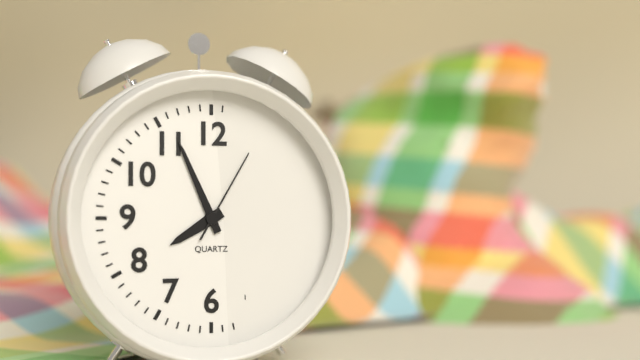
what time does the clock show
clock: 7:56:05
